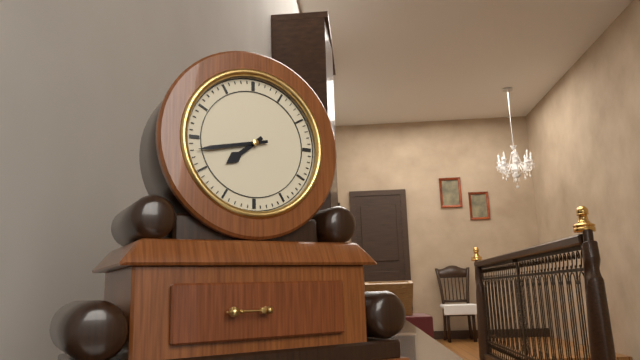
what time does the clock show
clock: 7:43
